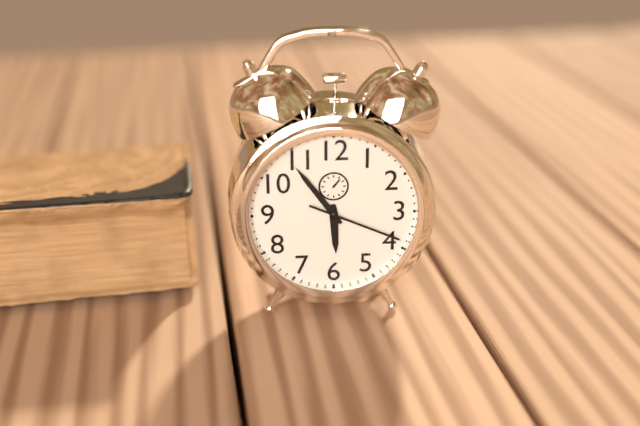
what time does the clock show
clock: 5:54:19
